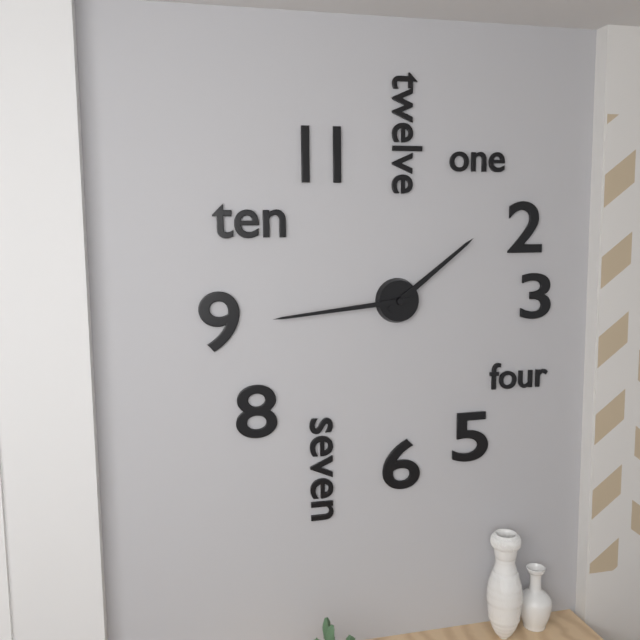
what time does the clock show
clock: 1:44
